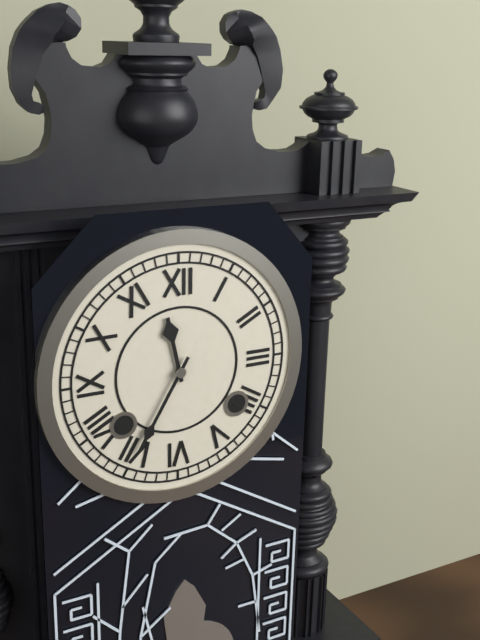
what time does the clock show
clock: 11:35
